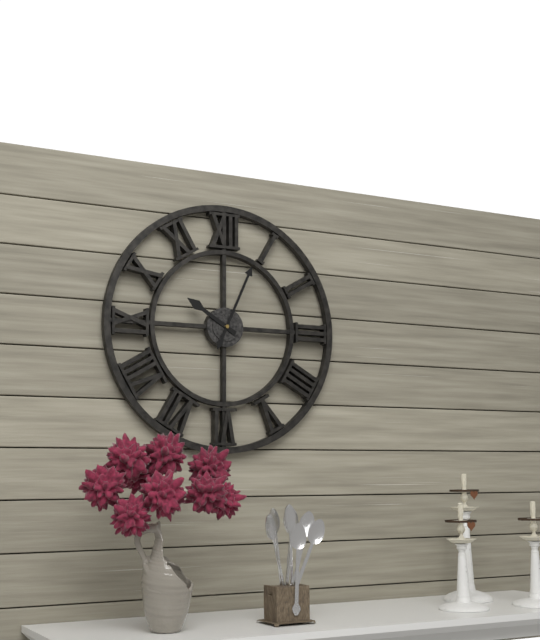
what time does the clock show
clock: 10:04
